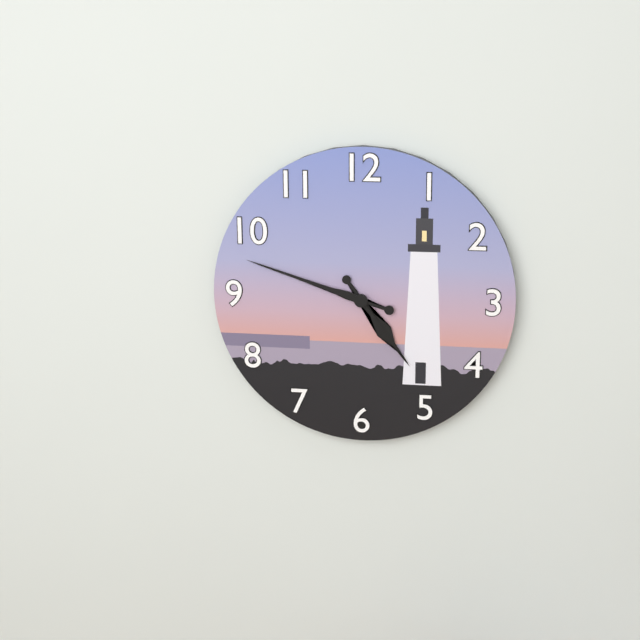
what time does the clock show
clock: 4:48
